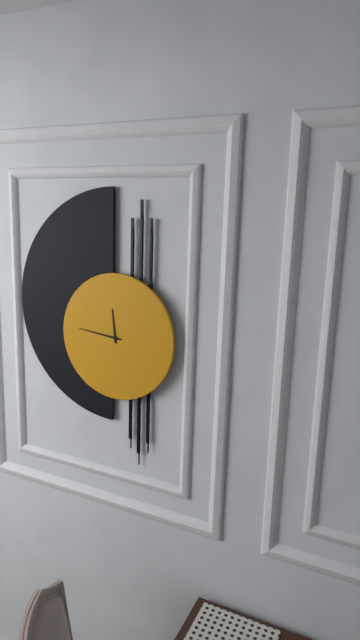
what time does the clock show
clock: 11:46
